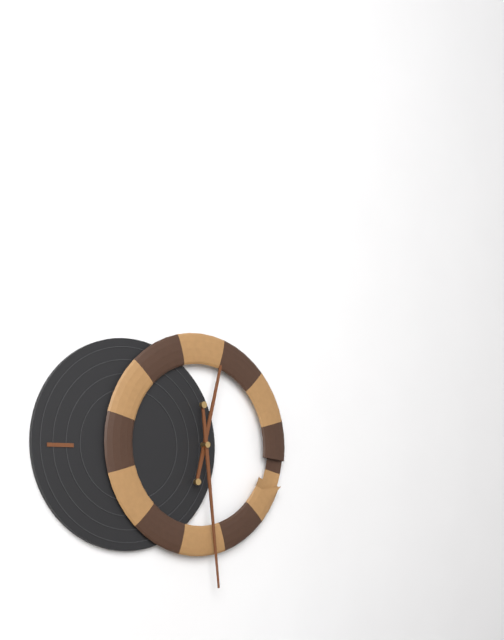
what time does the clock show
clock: 12:29
